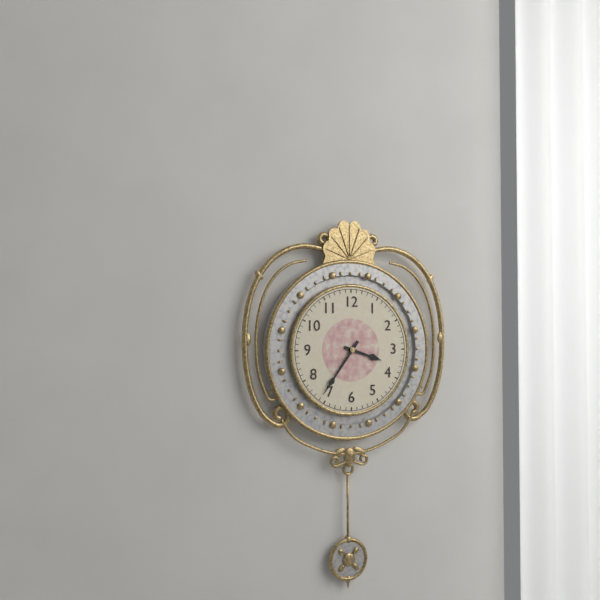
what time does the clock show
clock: 3:36
